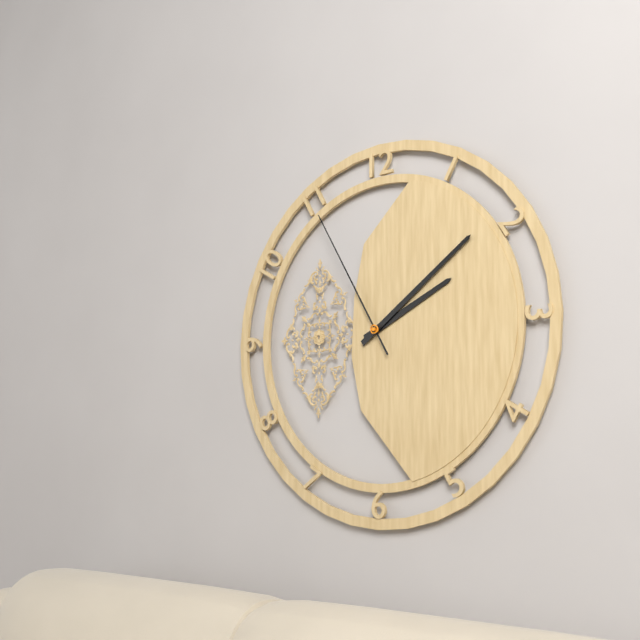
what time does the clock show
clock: 2:09:55
